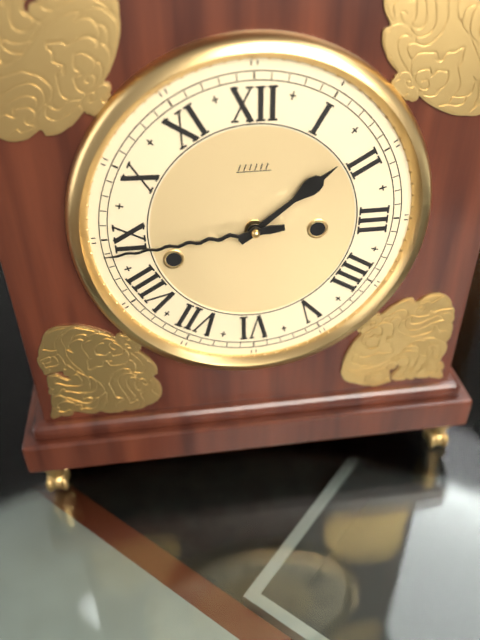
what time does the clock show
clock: 1:44
